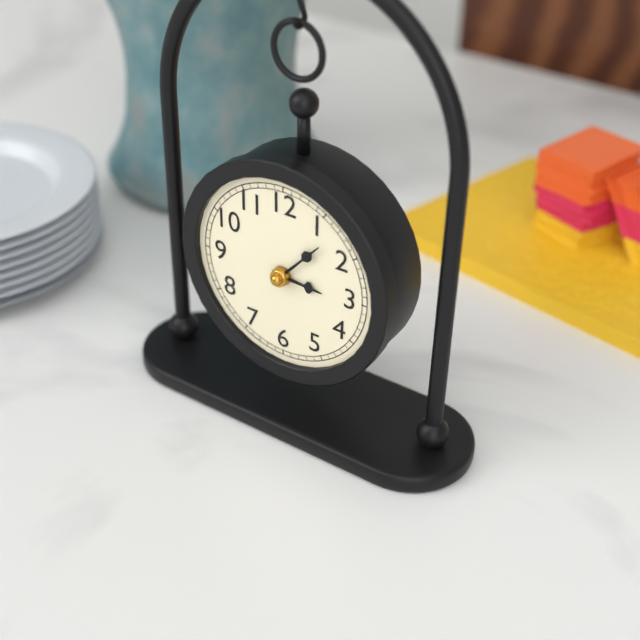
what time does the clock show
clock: 3:07
